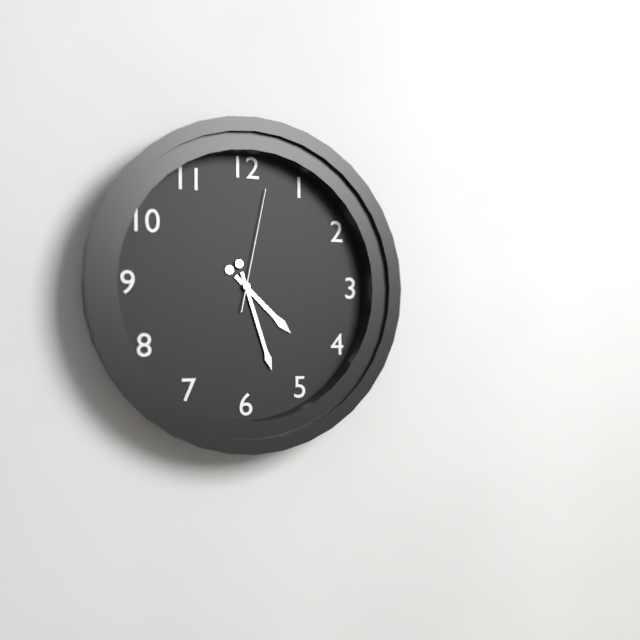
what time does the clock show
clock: 4:27:02
